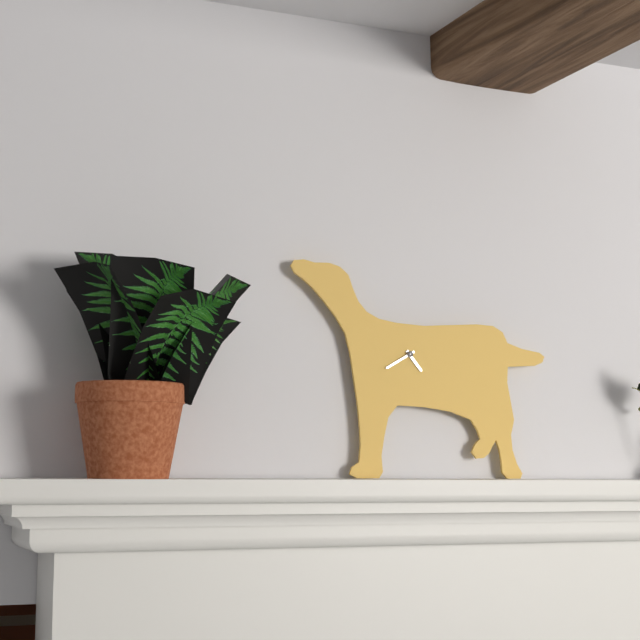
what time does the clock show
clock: 4:40
